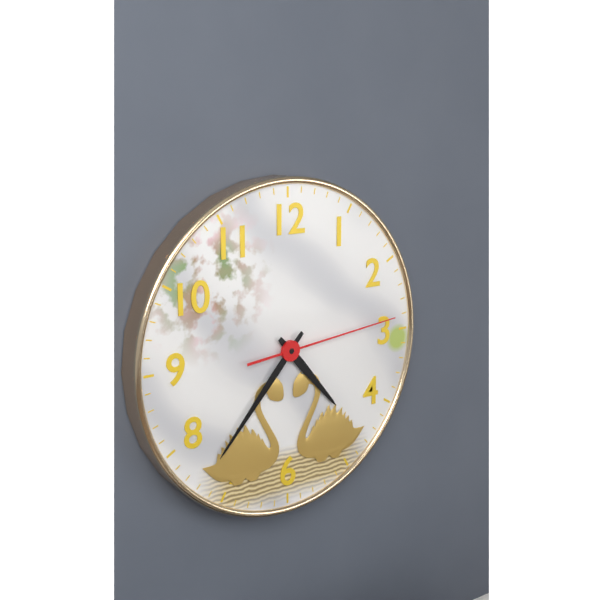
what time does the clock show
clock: 4:37:14
